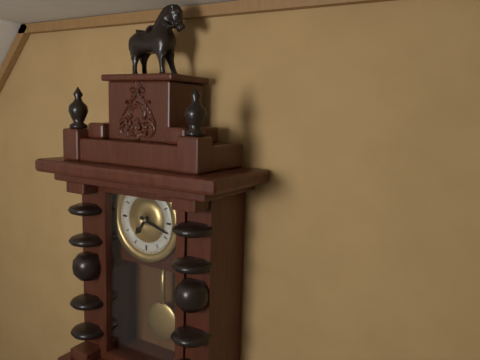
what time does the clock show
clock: 7:18
